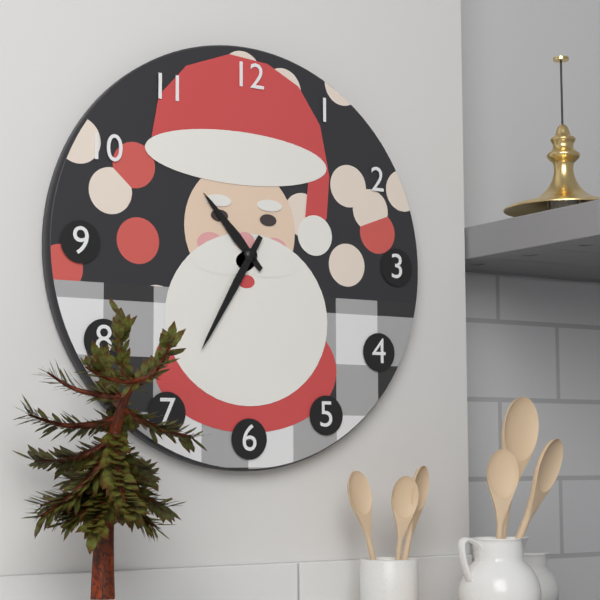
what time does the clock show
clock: 10:35
